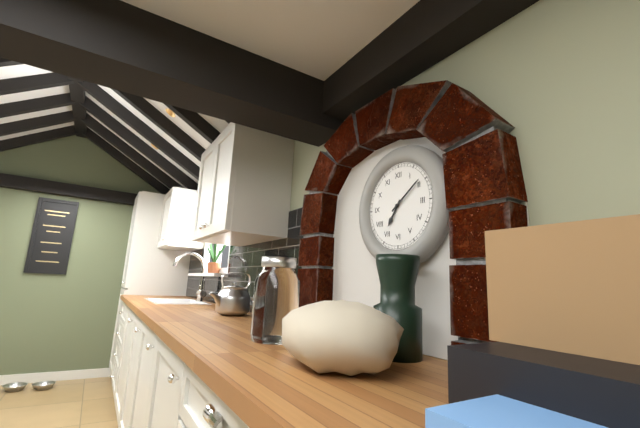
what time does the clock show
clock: 7:09
